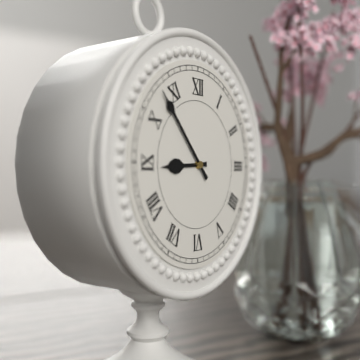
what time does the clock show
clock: 8:53
